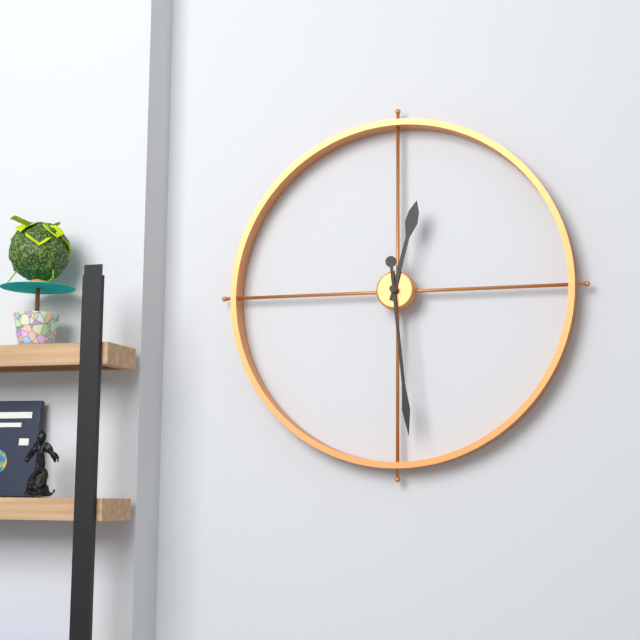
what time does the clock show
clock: 12:29
